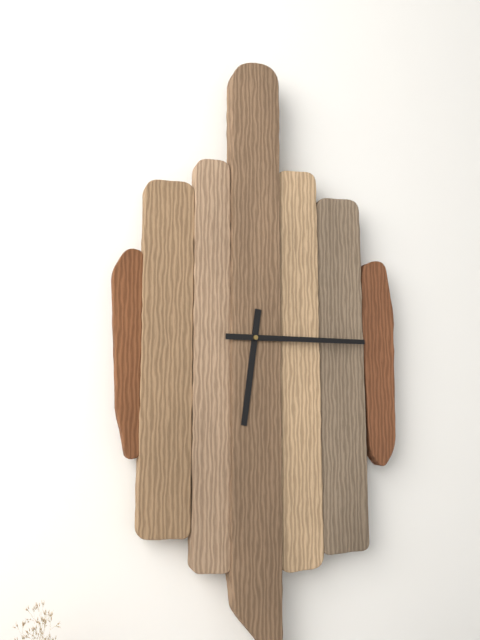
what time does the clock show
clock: 6:15
